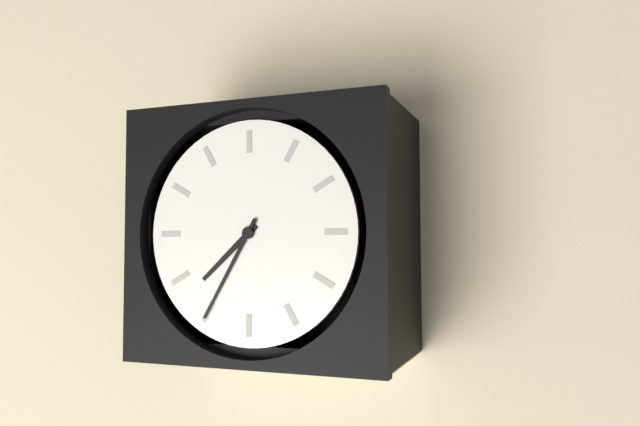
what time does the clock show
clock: 7:35
